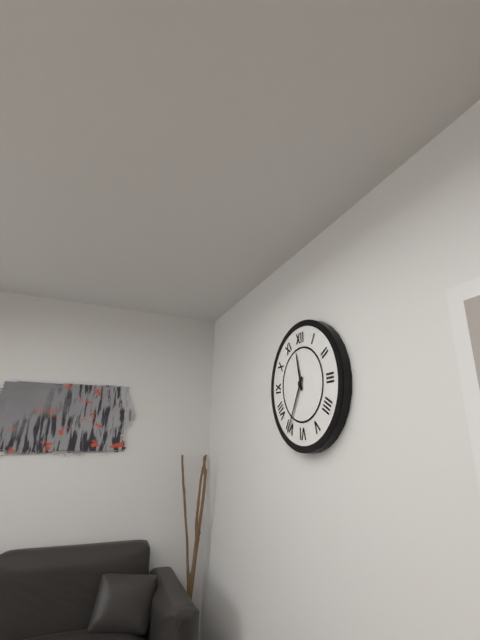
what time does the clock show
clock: 11:35
